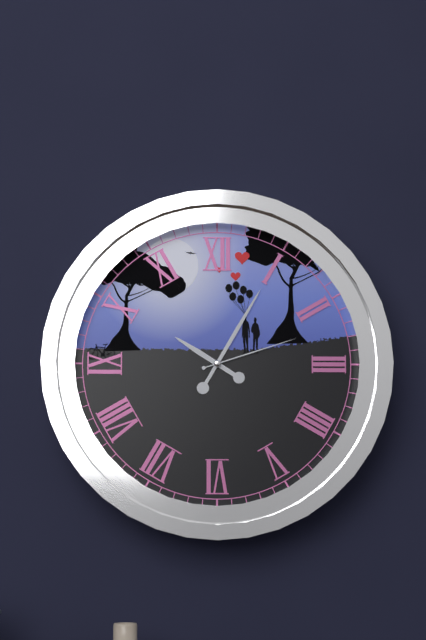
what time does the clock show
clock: 10:05:12
